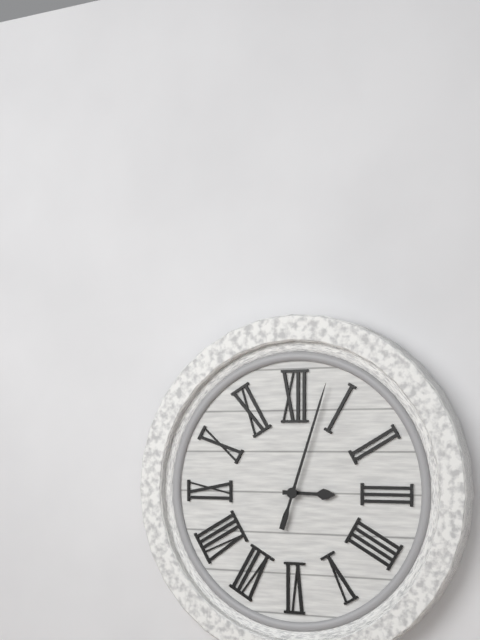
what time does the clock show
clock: 3:03
